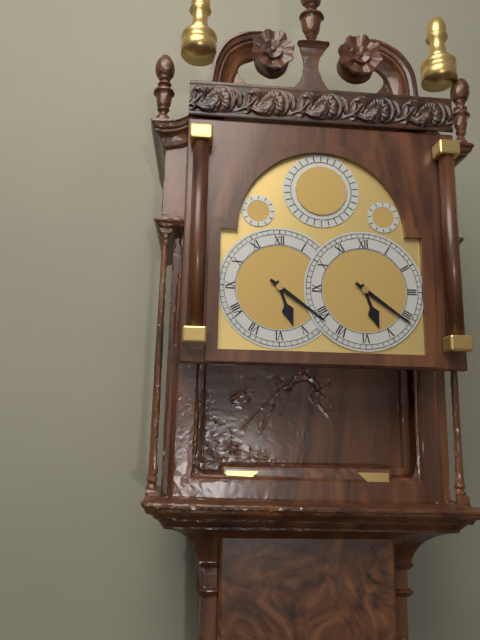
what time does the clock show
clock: 5:21
